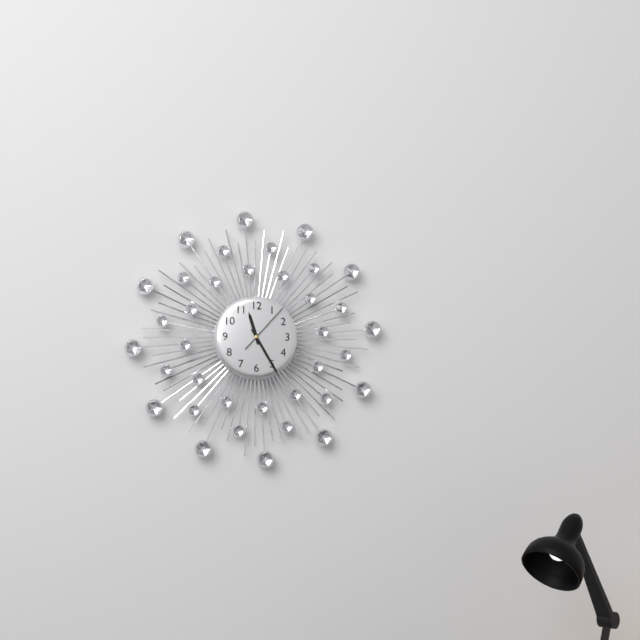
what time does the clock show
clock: 11:25:07
